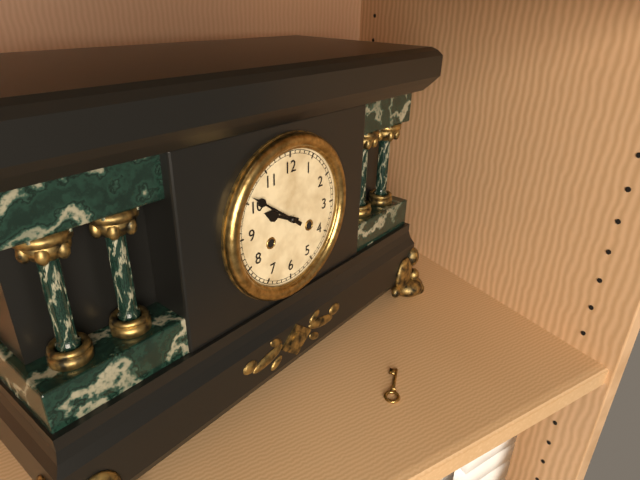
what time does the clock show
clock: 9:51
